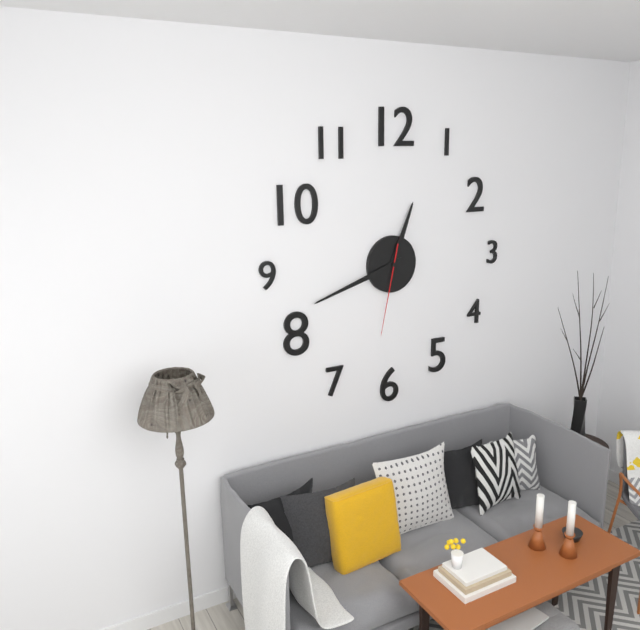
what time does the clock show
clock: 12:42:32
